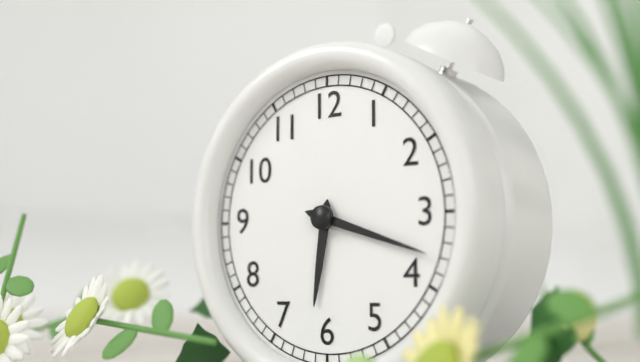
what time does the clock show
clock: 6:18
